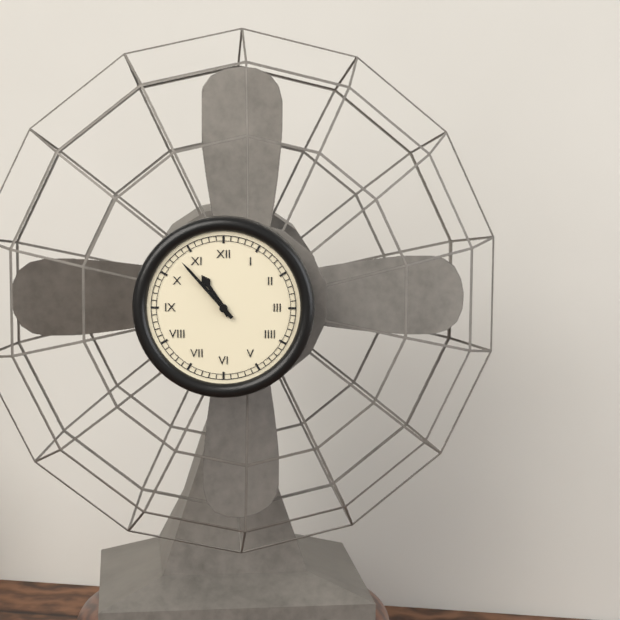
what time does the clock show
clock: 10:53
